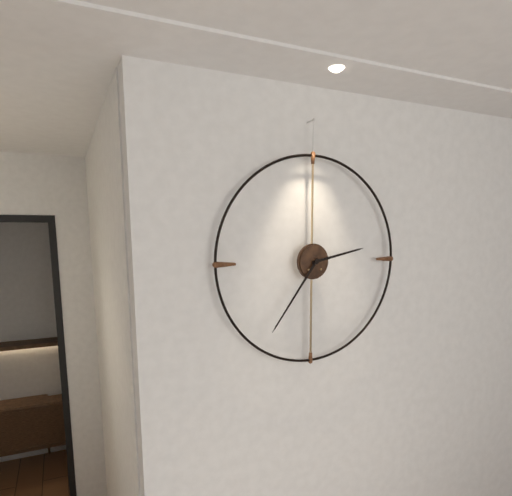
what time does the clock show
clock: 2:36
